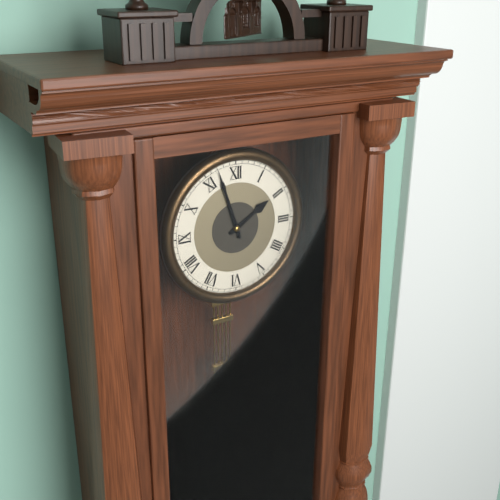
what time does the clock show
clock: 1:57
